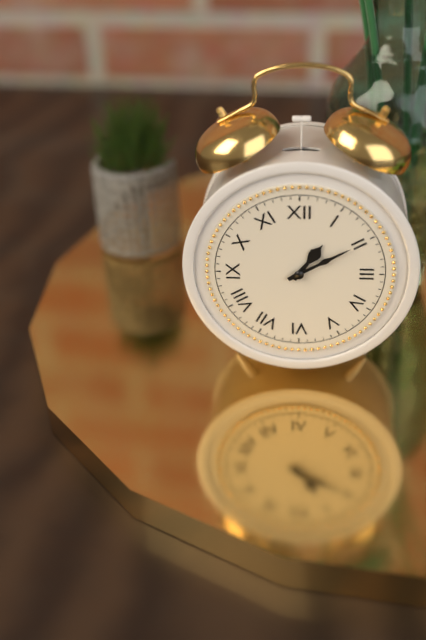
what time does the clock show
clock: 1:10
